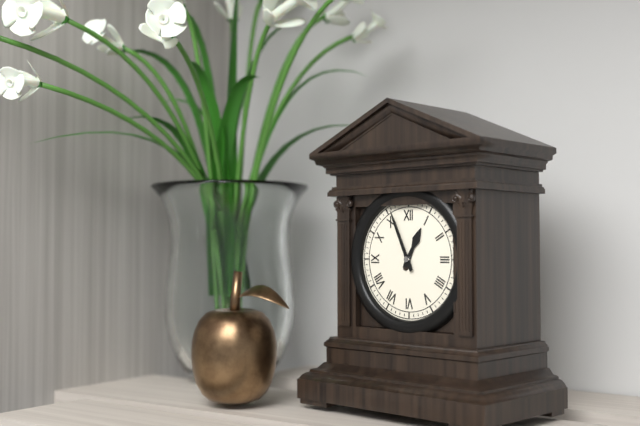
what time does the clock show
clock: 12:56
